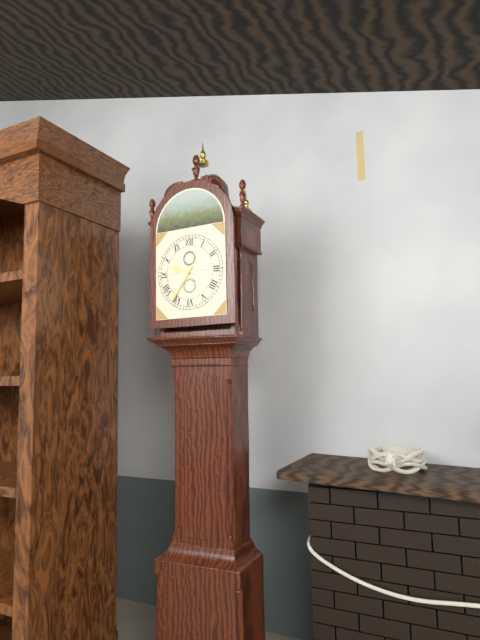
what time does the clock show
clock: 9:36
